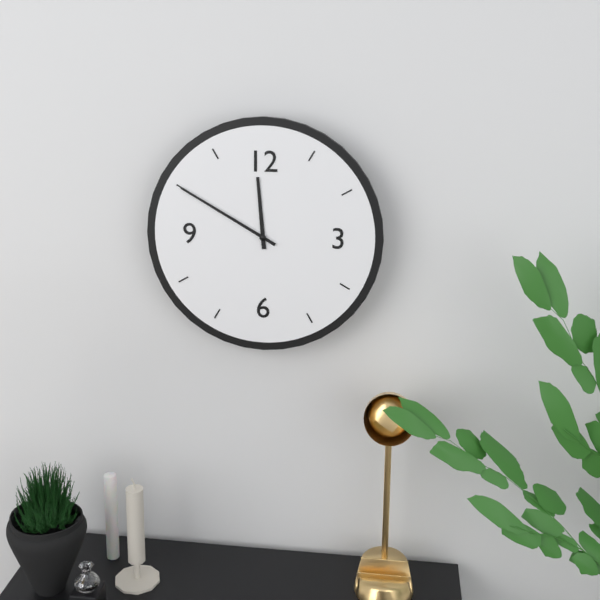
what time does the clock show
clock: 11:50
